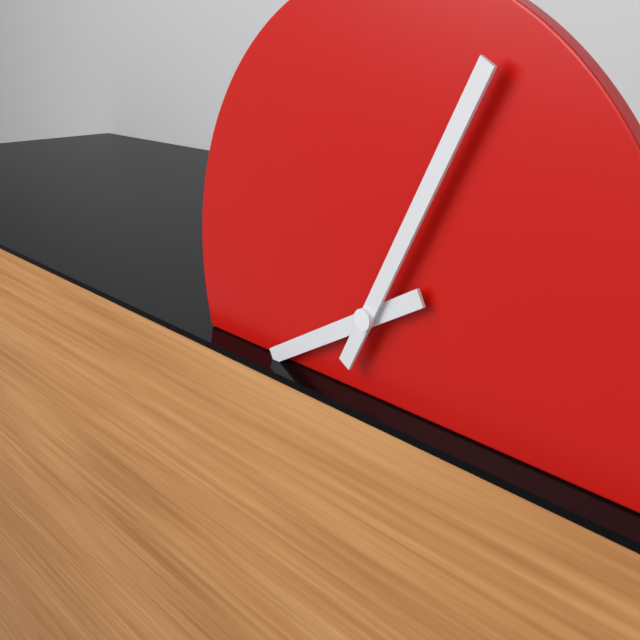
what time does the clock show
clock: 8:05
